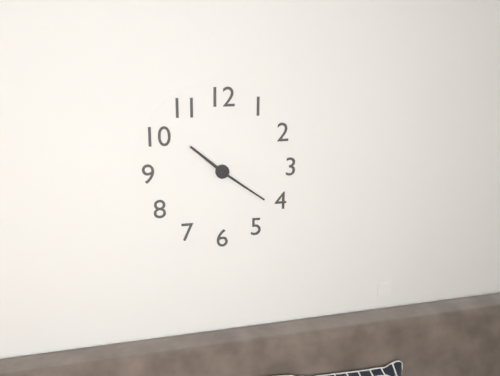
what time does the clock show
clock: 10:21
